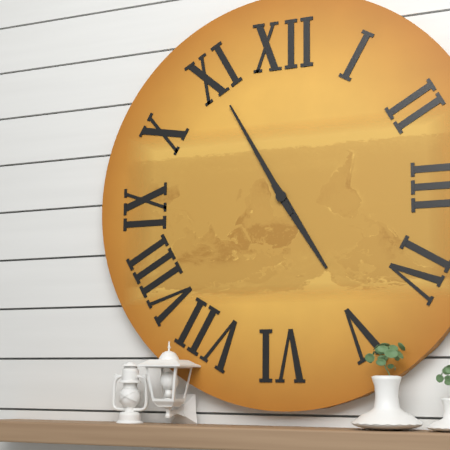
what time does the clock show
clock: 4:55
